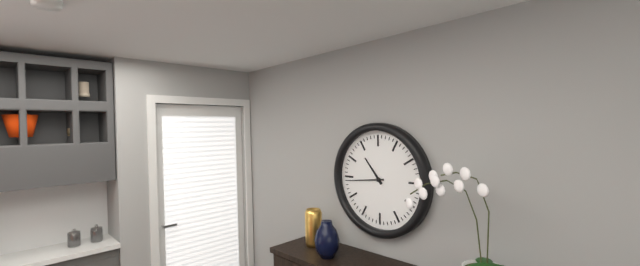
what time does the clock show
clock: 10:44
